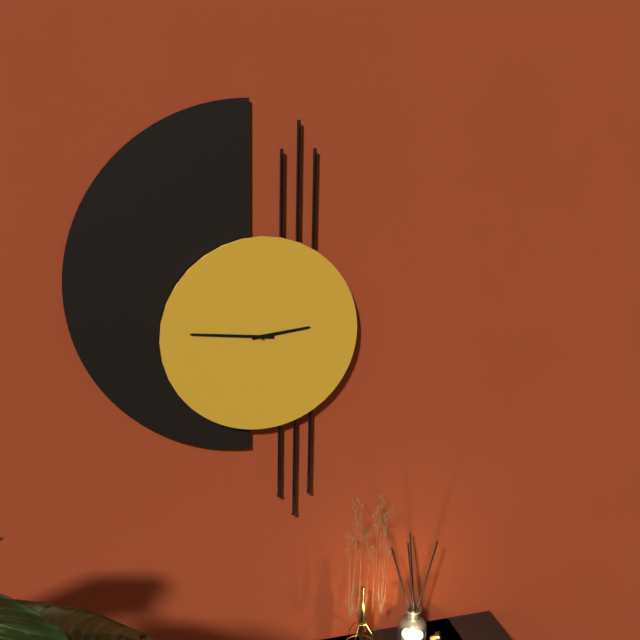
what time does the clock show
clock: 2:46
